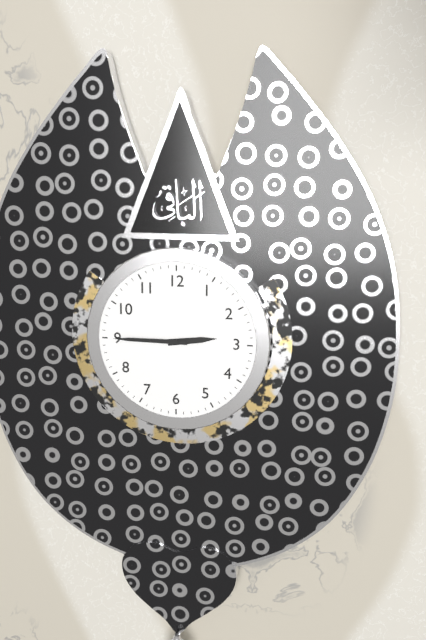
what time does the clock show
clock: 2:45
